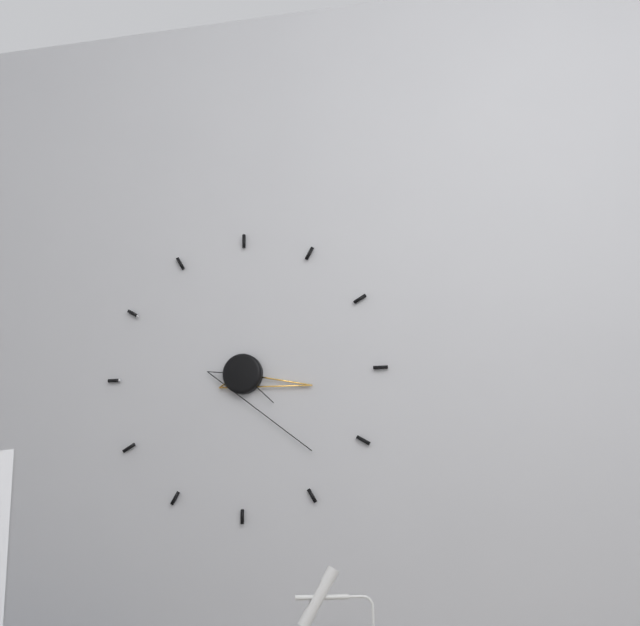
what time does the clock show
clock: 3:23
